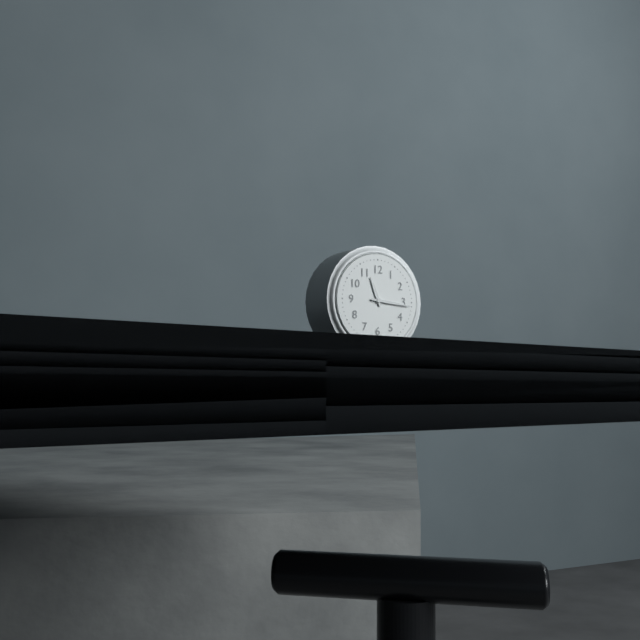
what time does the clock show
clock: 11:16
